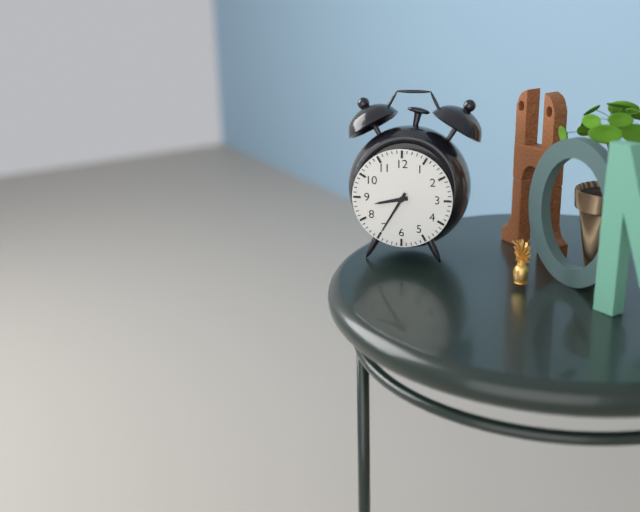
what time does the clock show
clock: 8:35
